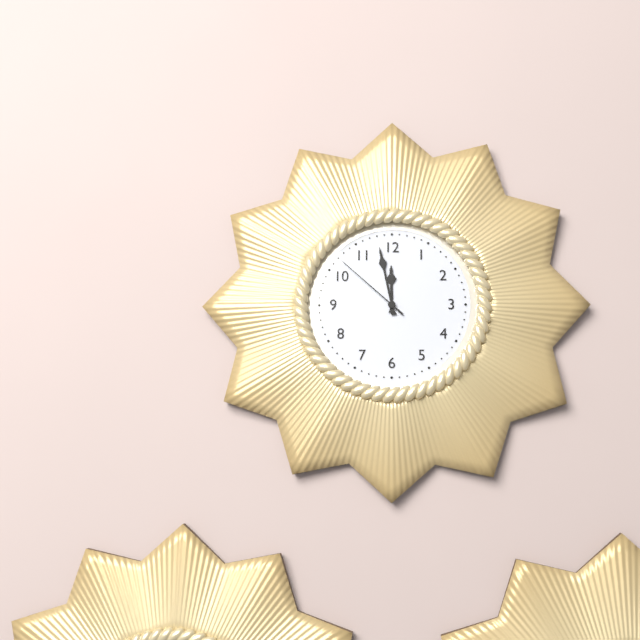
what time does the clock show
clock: 11:58:52
